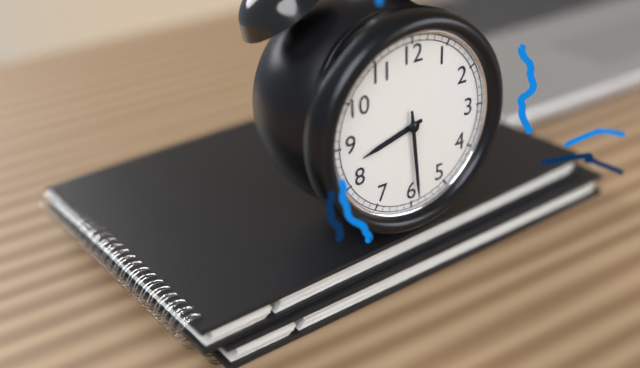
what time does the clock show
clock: 8:29
